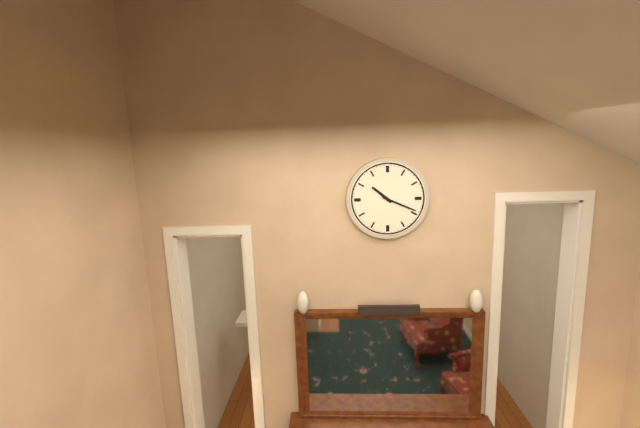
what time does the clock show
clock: 10:19
